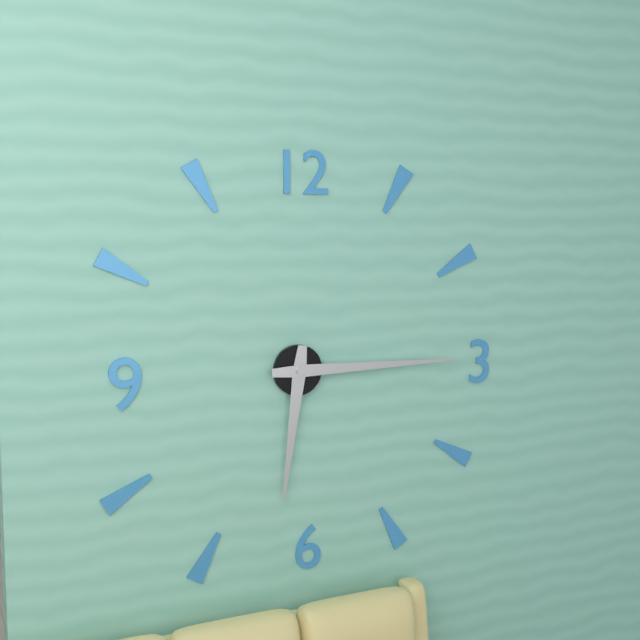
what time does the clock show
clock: 6:15
